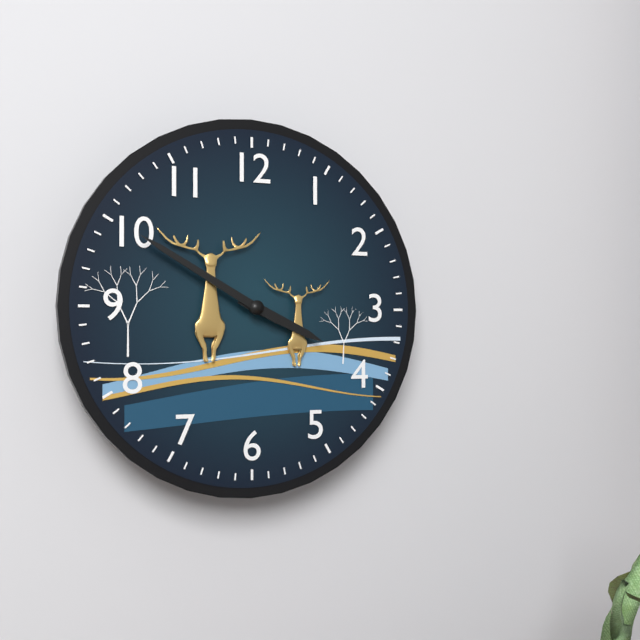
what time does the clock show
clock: 3:50
